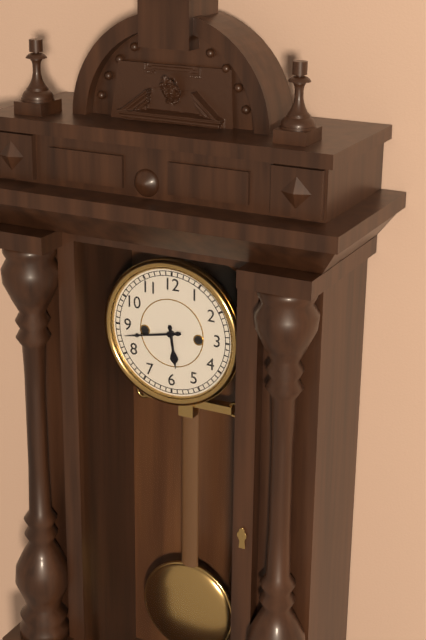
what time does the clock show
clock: 5:43
